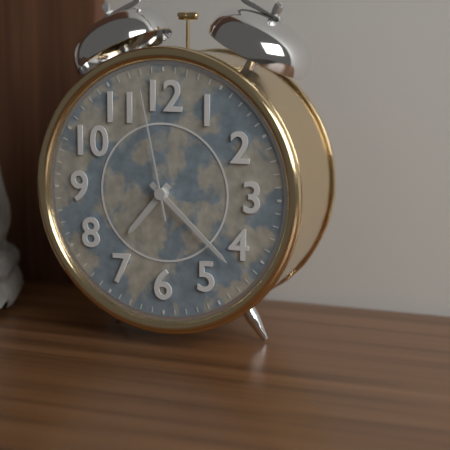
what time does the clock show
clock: 7:22:58
